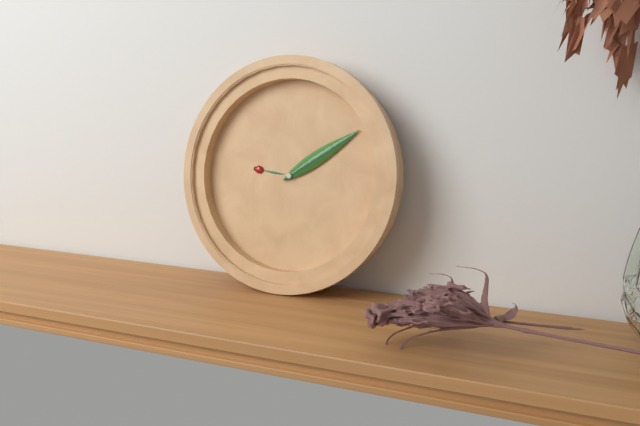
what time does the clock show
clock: 9:09
